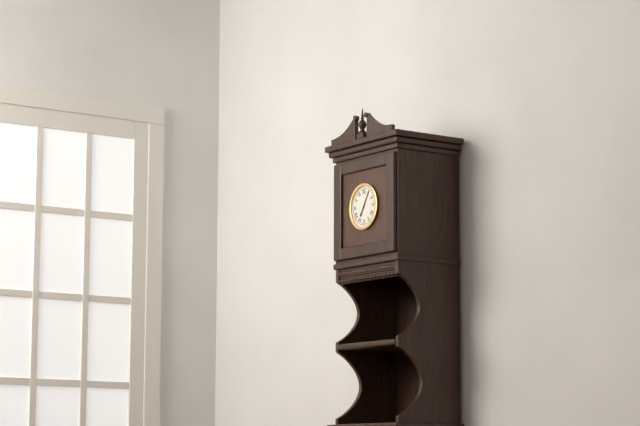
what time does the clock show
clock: 7:05
